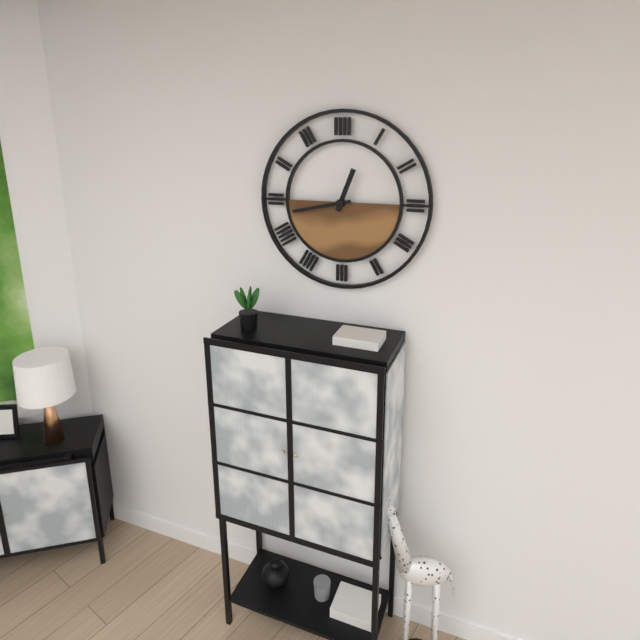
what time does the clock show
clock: 12:43
